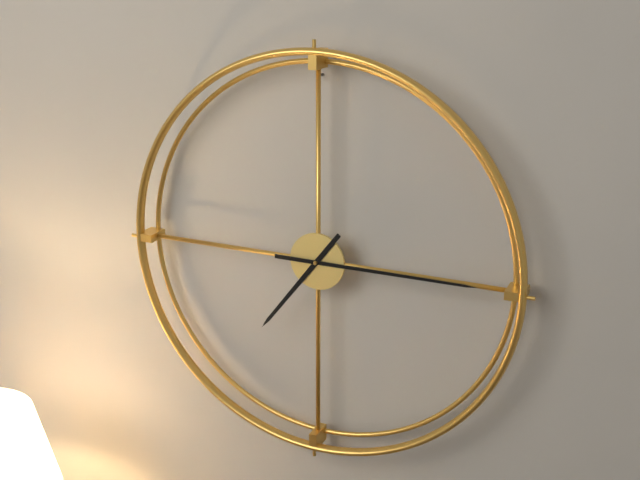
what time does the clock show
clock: 7:15
